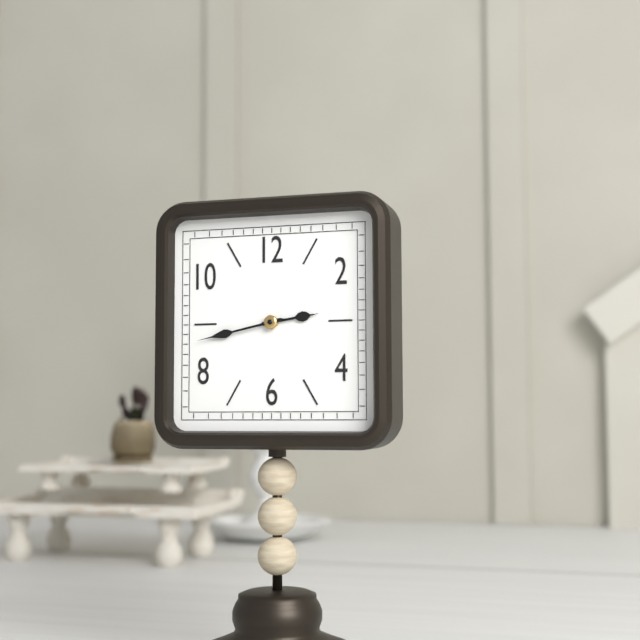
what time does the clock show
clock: 2:43
